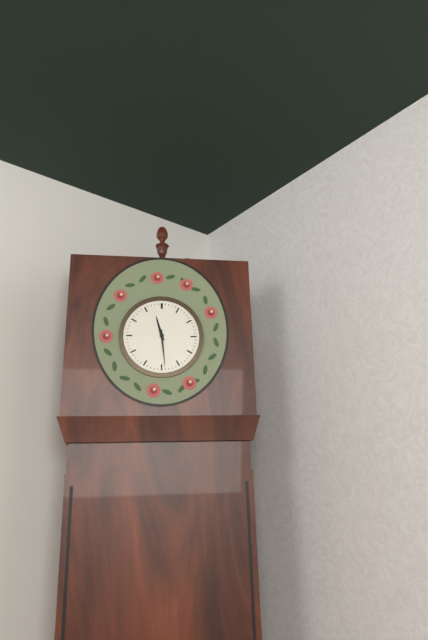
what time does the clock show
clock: 11:29
